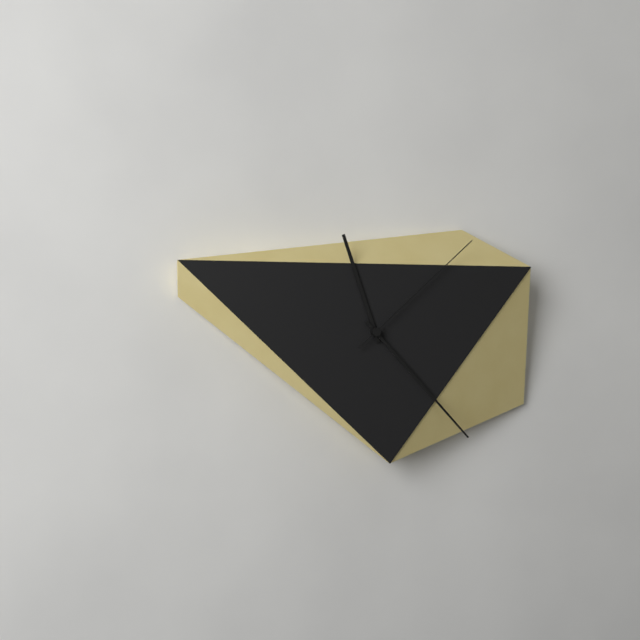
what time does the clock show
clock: 11:23:08
